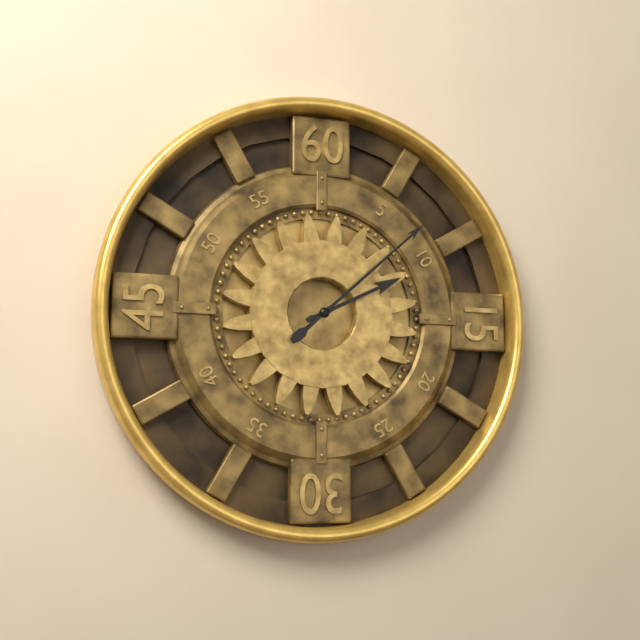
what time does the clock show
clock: 2:08
